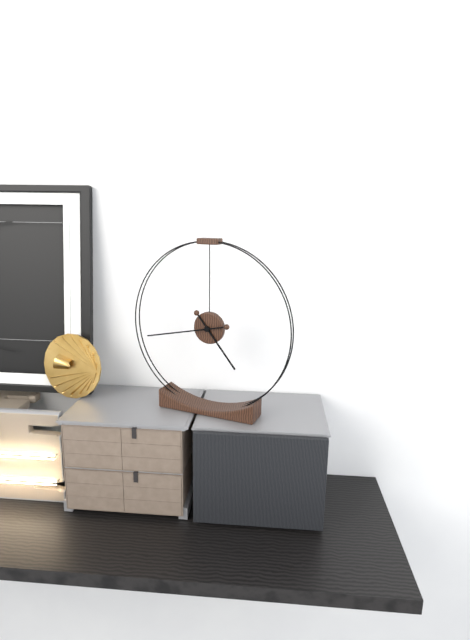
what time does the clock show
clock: 4:43
